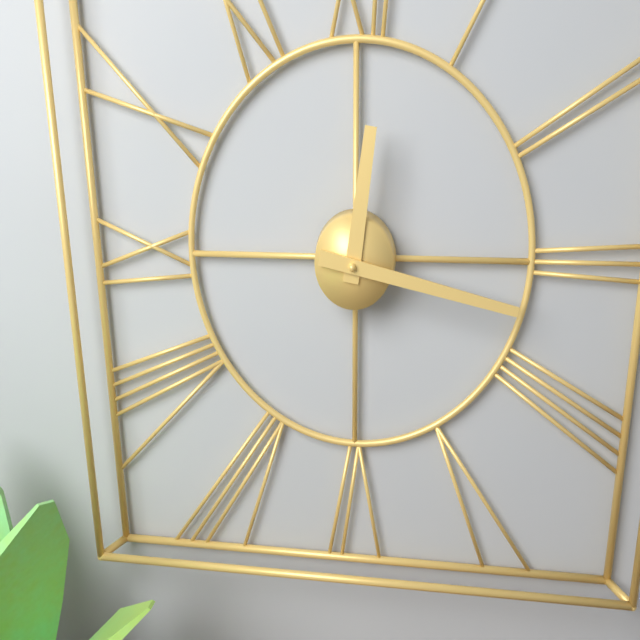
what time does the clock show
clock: 12:17
